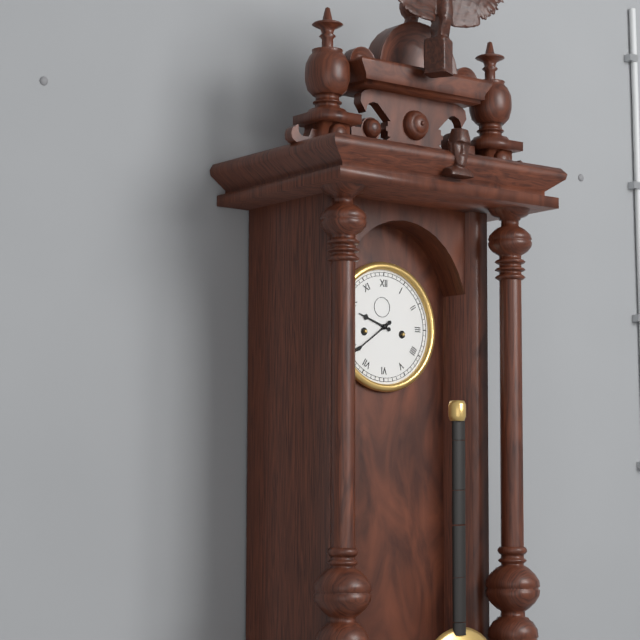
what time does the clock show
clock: 9:39
